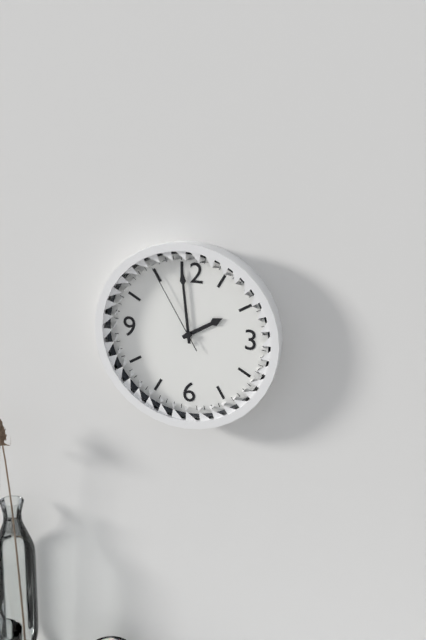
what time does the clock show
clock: 1:59:55
